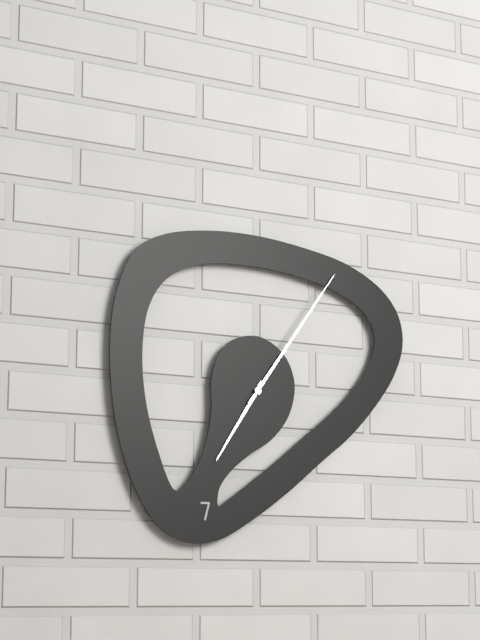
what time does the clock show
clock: 7:06
